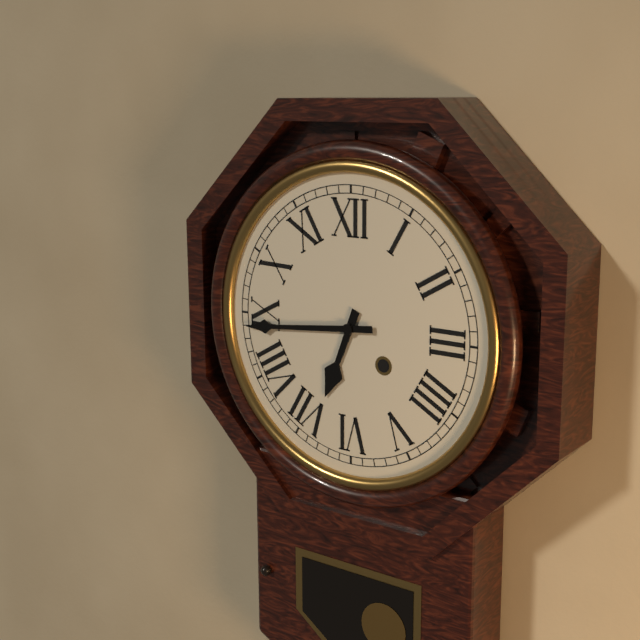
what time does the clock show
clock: 6:44
